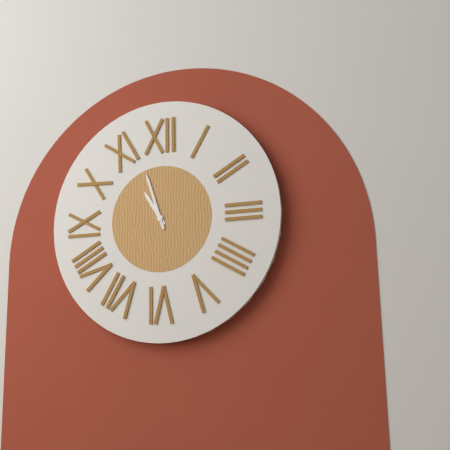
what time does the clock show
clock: 10:57
